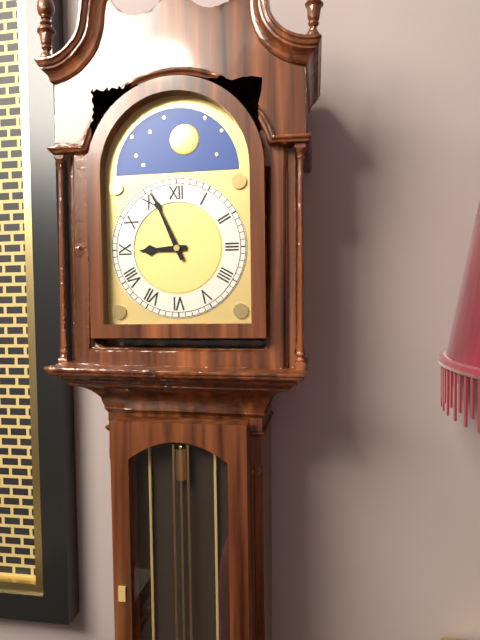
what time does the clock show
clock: 8:56
